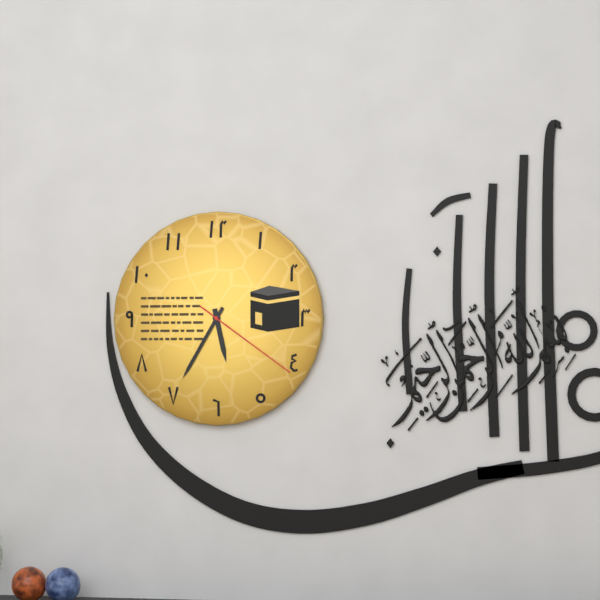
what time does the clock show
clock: 5:35:21
